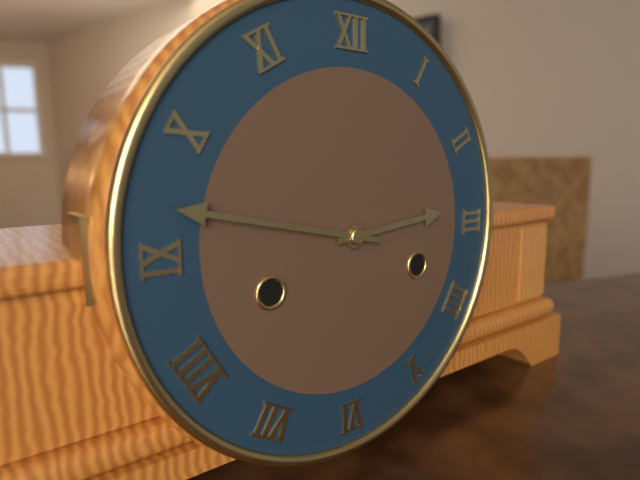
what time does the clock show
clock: 2:47
